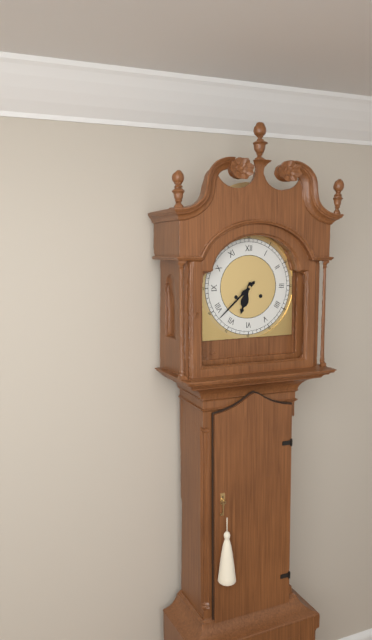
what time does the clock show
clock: 6:38
